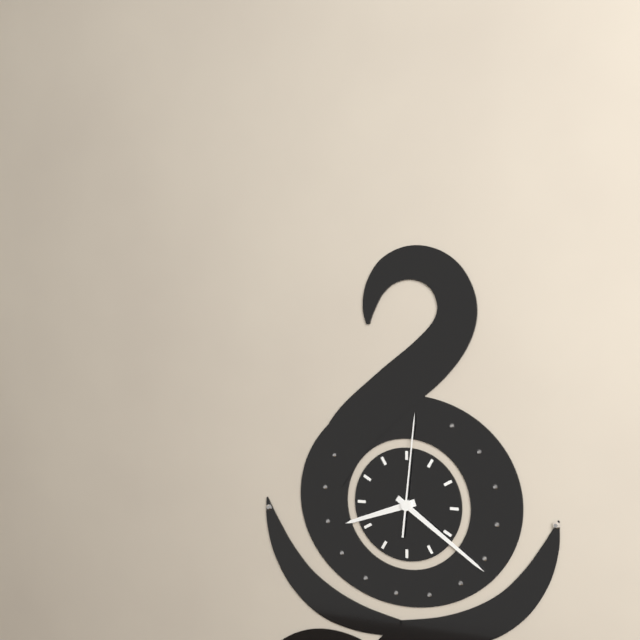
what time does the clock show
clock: 8:21:01
